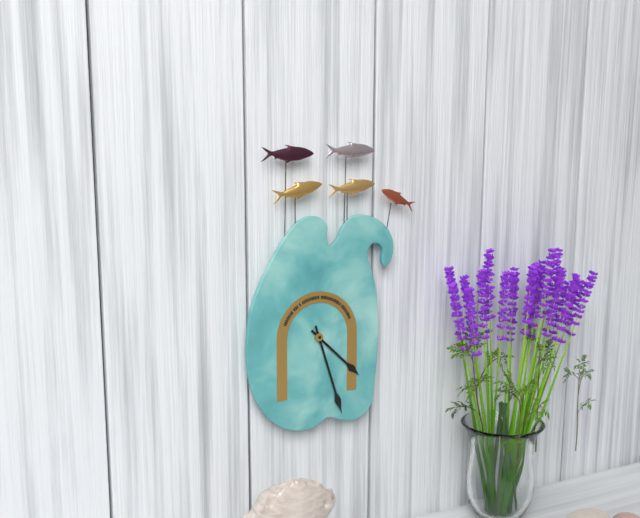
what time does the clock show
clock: 4:27
